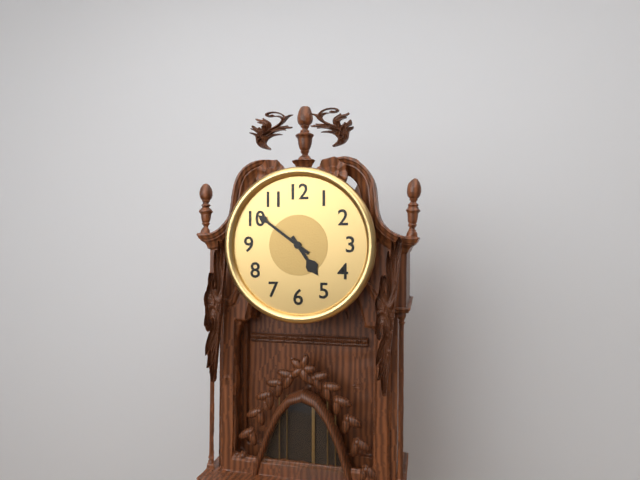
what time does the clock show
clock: 4:51
